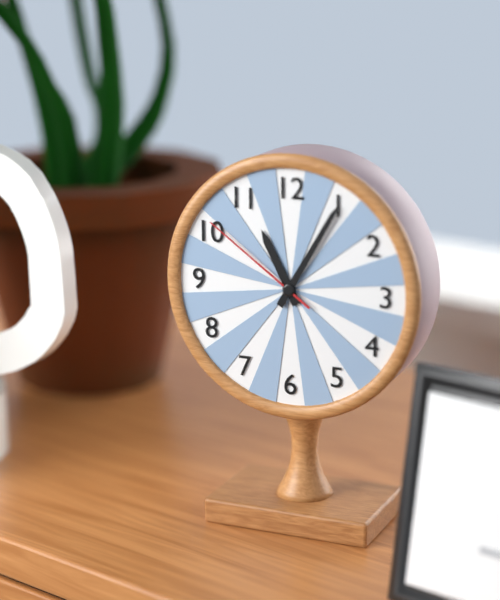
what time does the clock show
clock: 11:05:51
